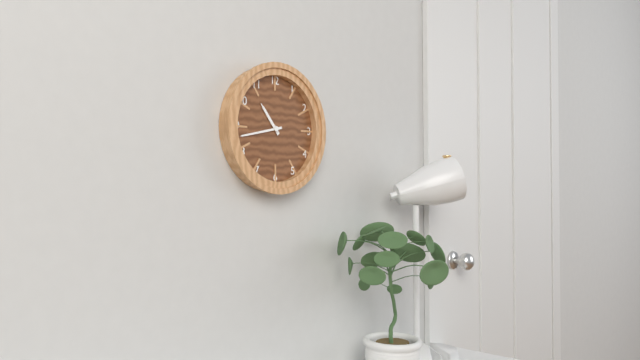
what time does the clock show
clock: 10:43
